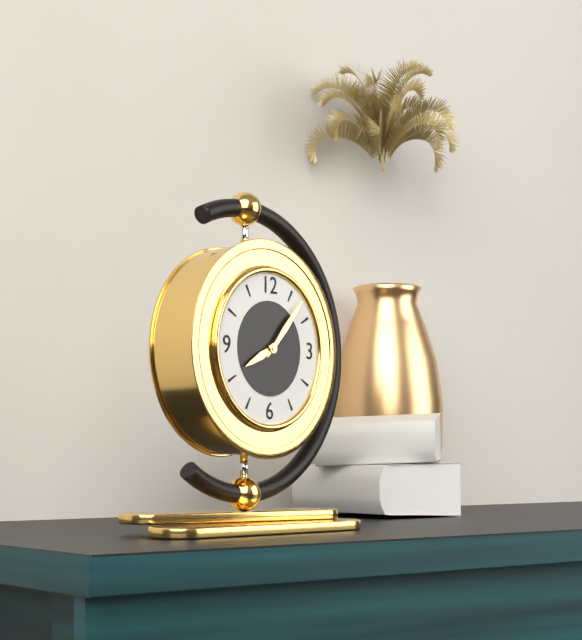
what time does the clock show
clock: 8:07
